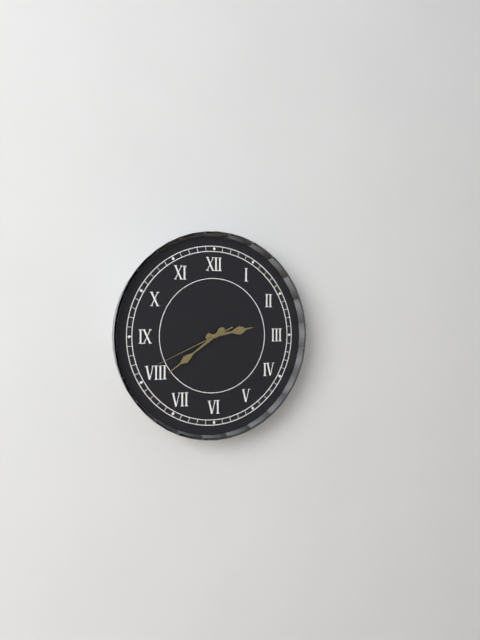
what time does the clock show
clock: 2:39:41
